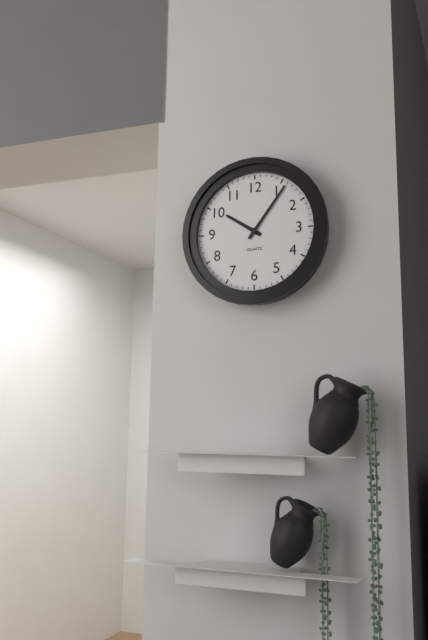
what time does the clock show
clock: 10:06
